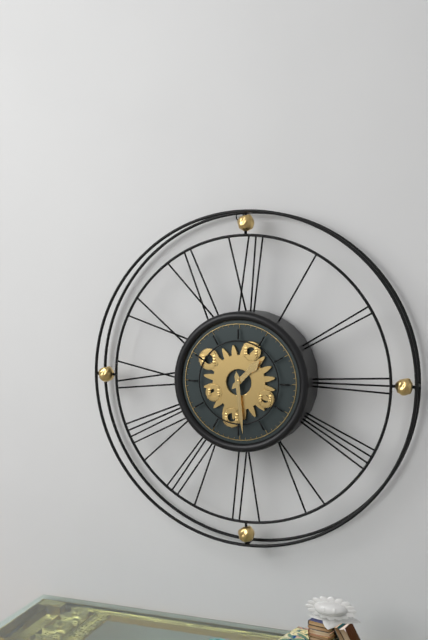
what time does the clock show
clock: 1:29
